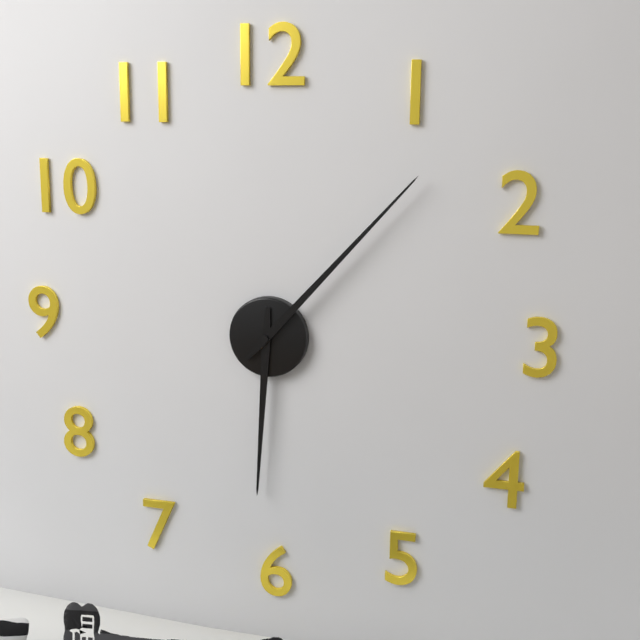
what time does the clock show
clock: 6:07
